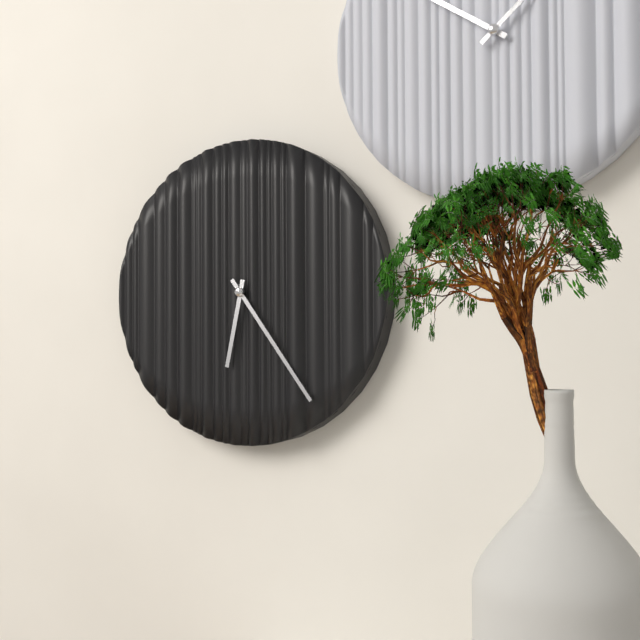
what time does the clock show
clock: 6:24
